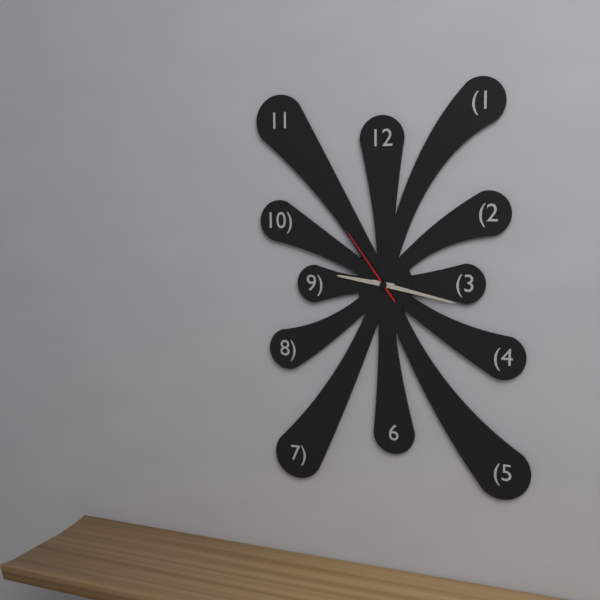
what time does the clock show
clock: 9:17:54
